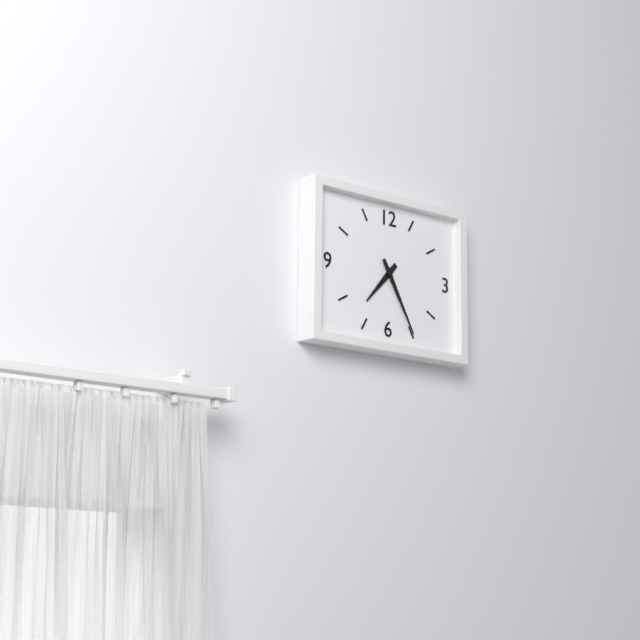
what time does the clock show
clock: 7:25
